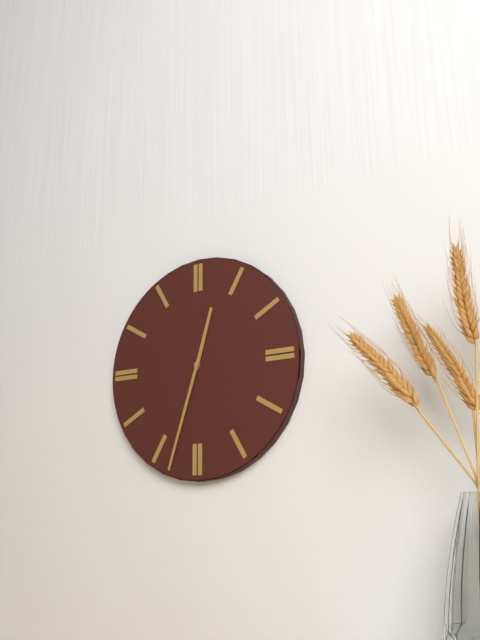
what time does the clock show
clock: 12:33
